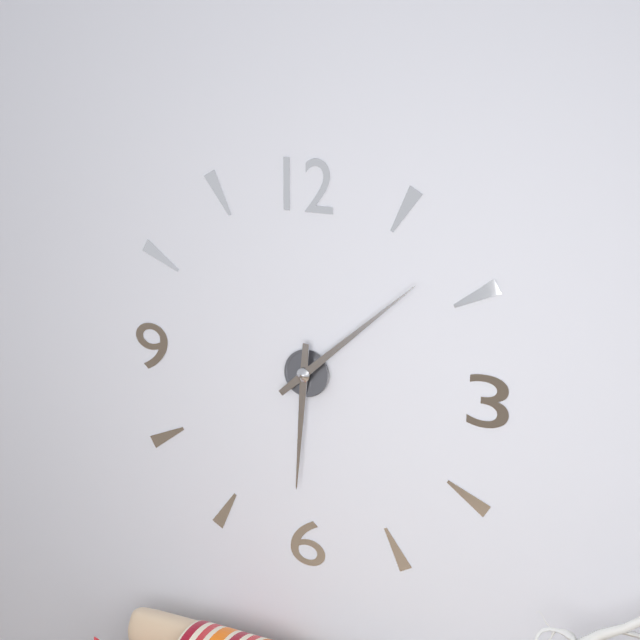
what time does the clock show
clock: 6:08
